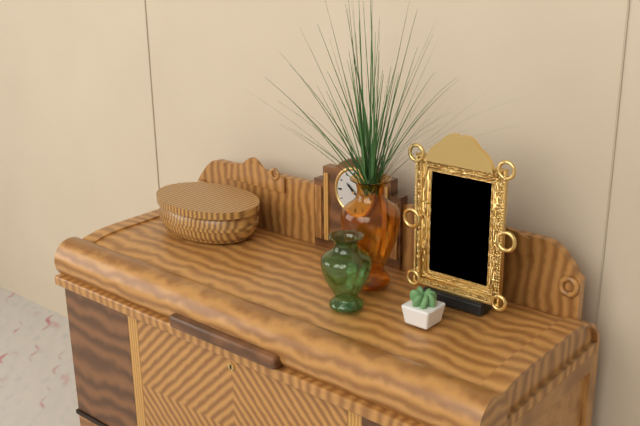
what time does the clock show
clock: 10:20
